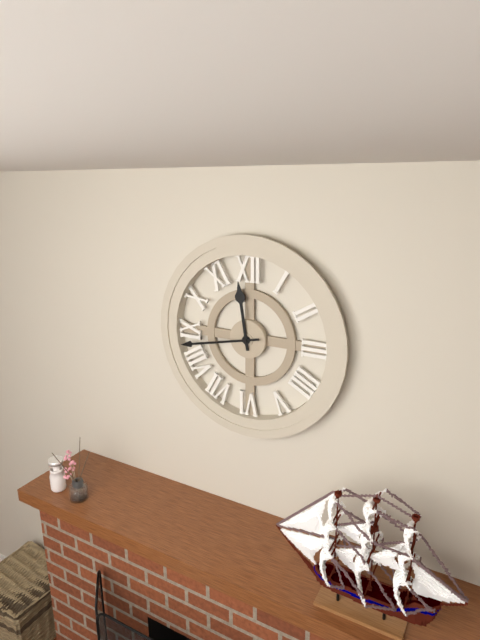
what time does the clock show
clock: 11:43
